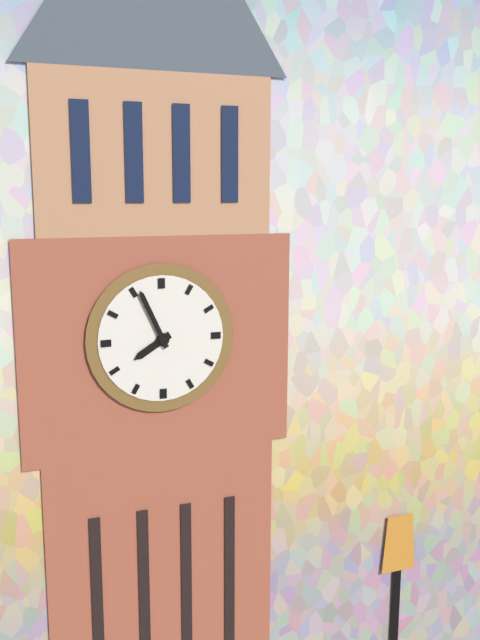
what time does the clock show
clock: 7:56
